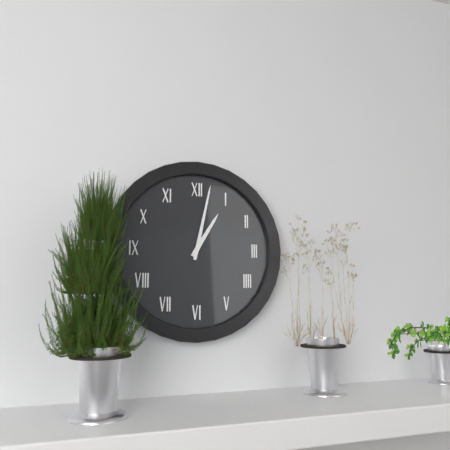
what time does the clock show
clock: 1:02
